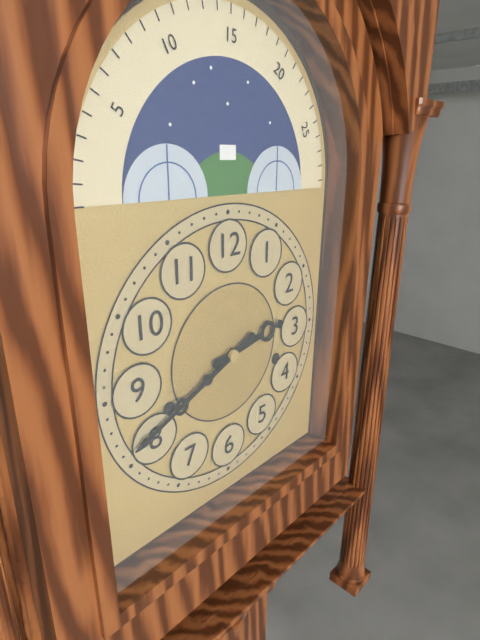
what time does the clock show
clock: 2:41
